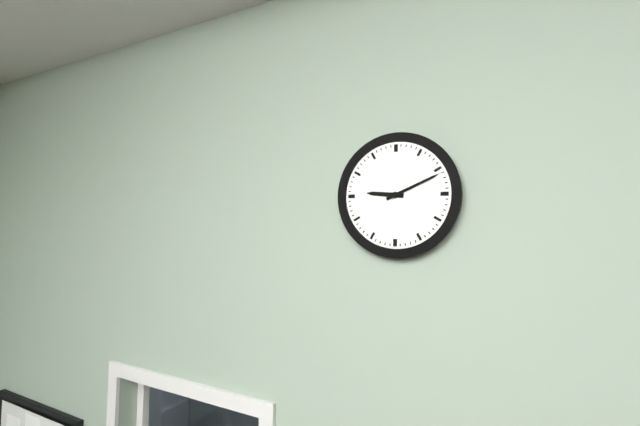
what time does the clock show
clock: 9:11
